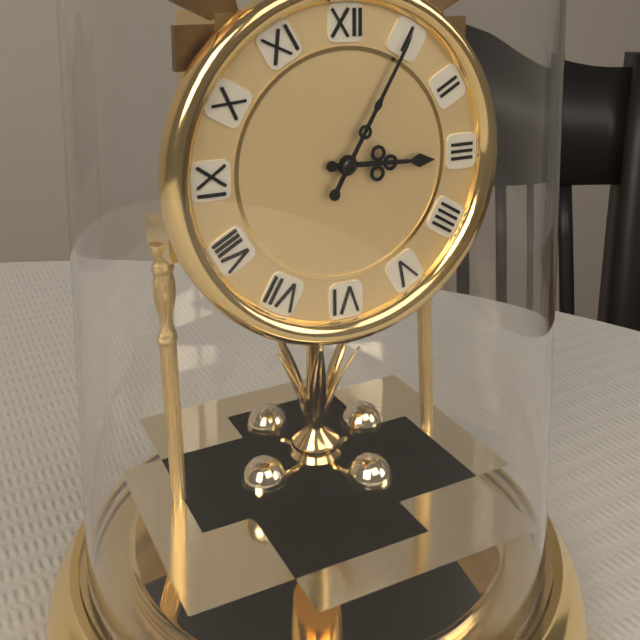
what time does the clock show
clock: 3:05
